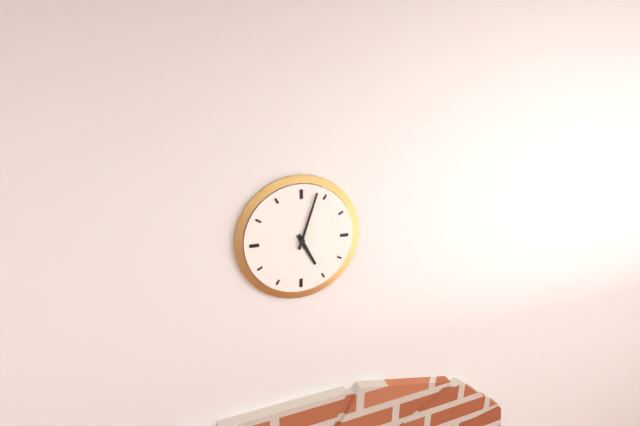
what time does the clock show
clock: 5:03
